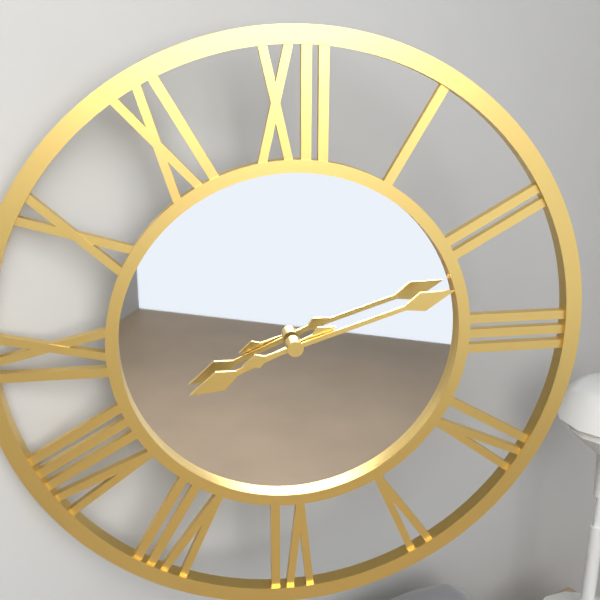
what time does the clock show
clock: 8:12
